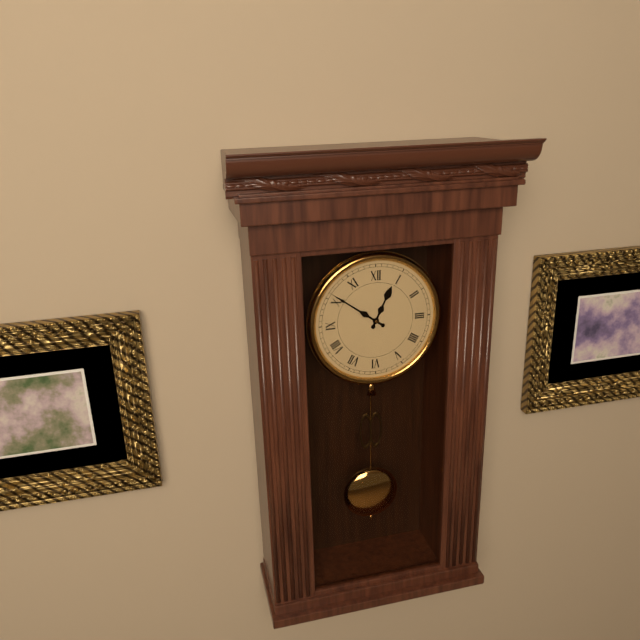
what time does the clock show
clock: 12:51
